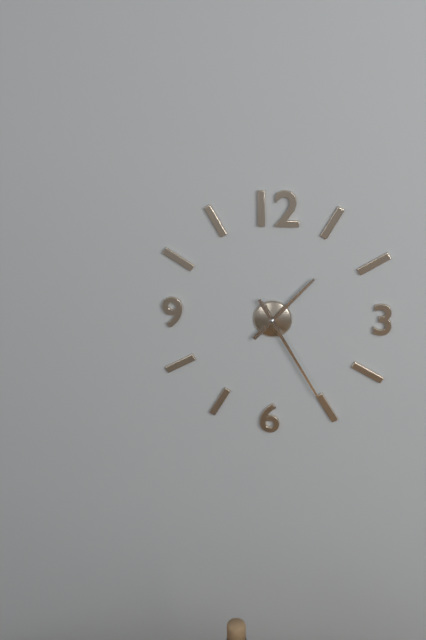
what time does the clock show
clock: 1:25
